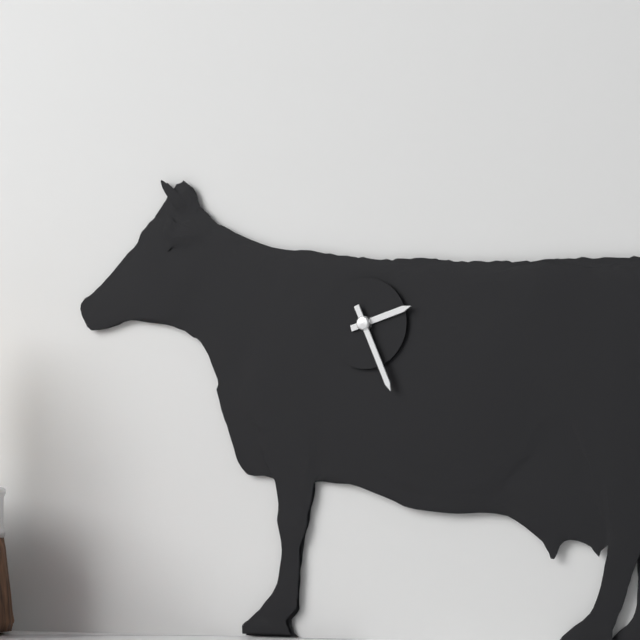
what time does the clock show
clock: 2:26
